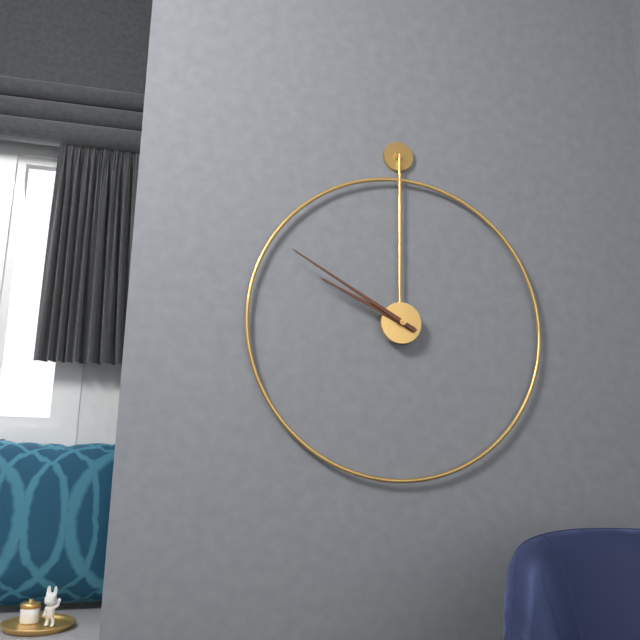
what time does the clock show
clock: 9:50
